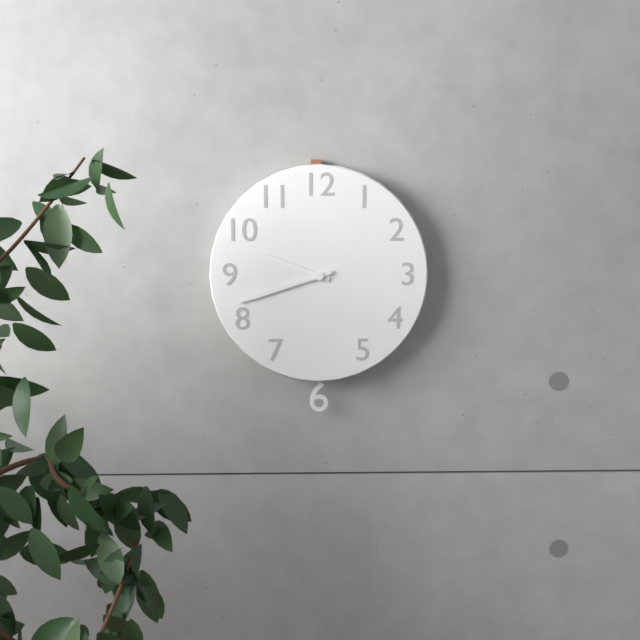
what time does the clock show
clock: 9:42
